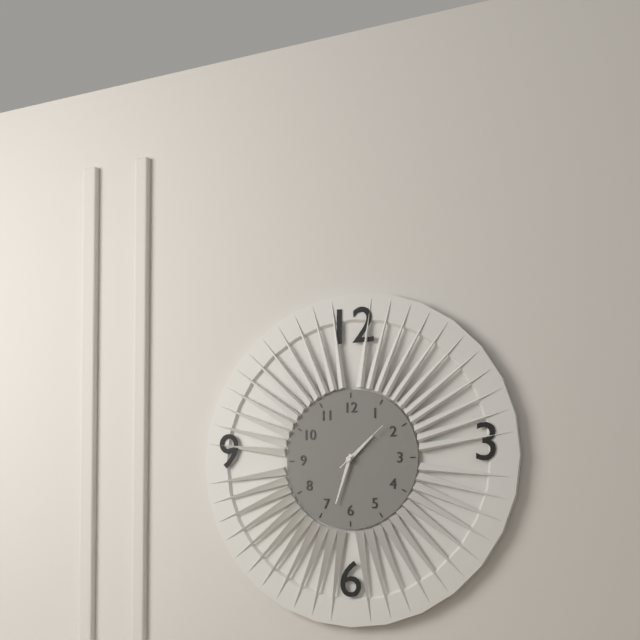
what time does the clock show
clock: 1:33:08
